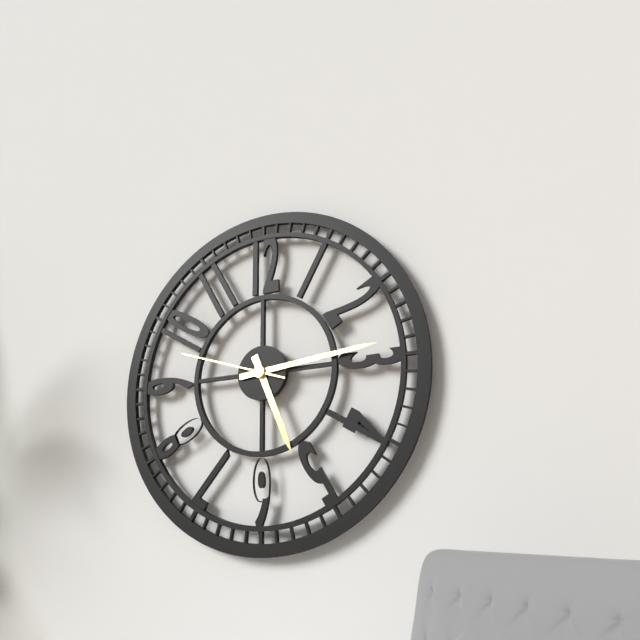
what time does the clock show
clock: 5:14:48
